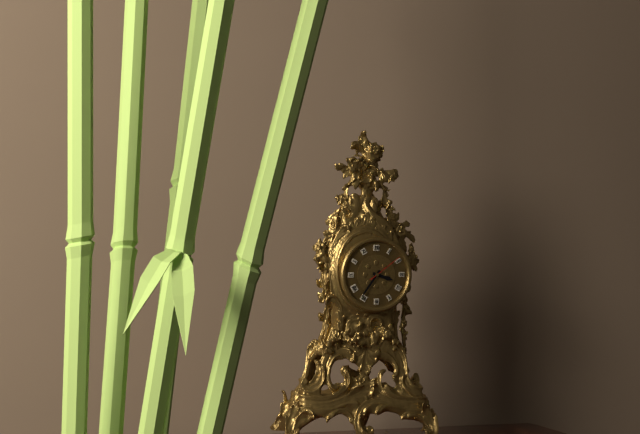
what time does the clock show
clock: 3:36
